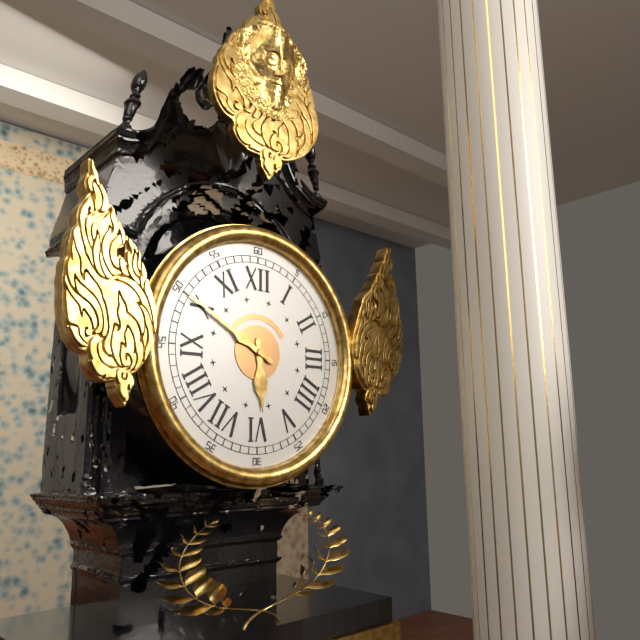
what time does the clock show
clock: 5:50
